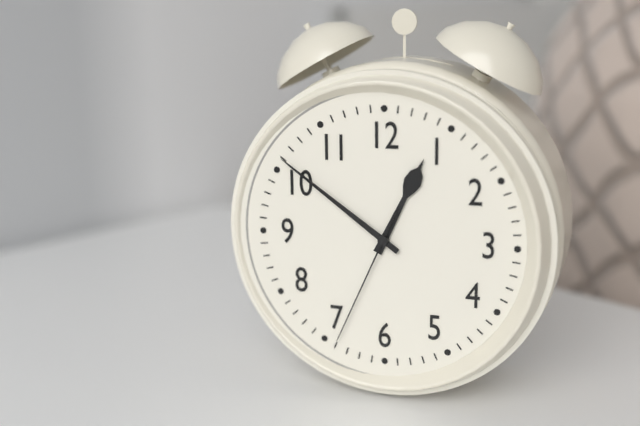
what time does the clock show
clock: 12:51:34
